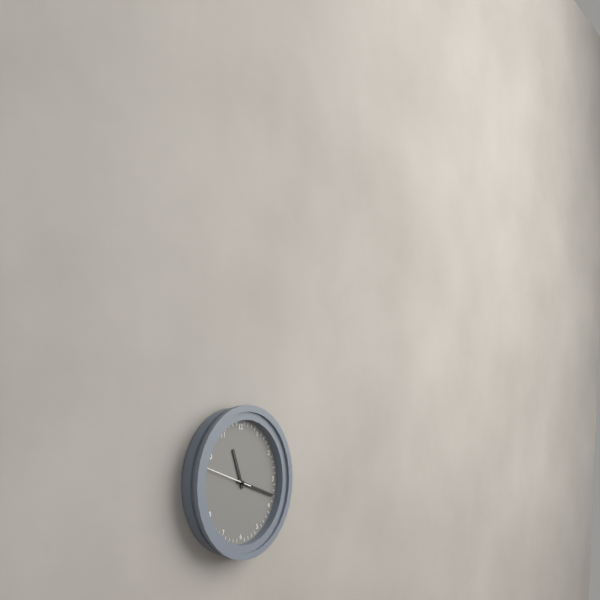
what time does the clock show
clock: 11:18
